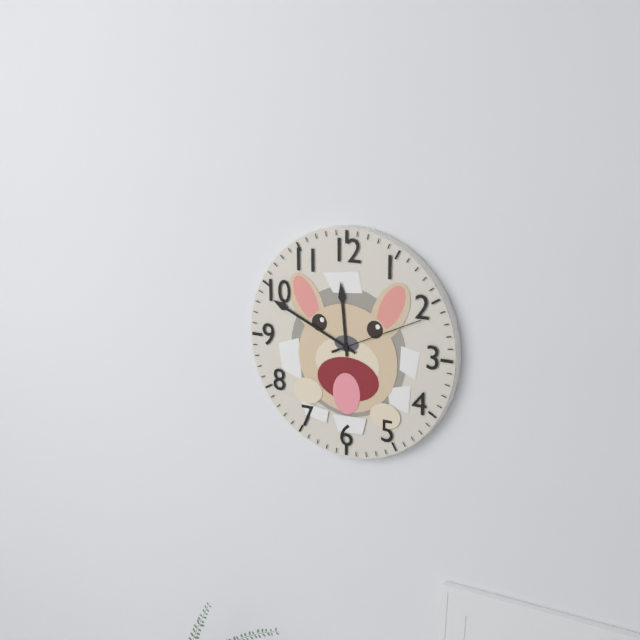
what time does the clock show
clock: 11:49:11
